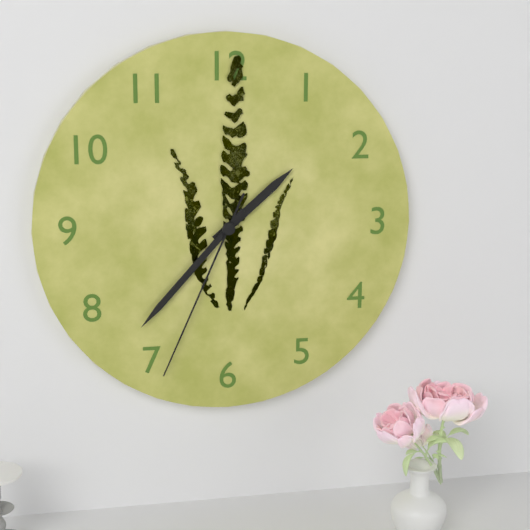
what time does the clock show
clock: 1:37:34
